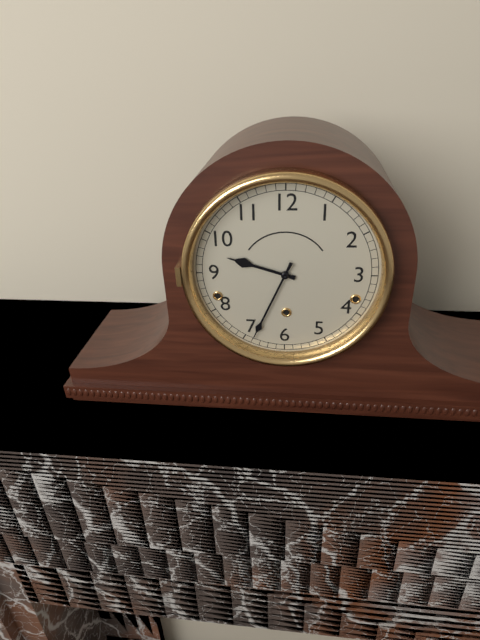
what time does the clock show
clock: 9:34
